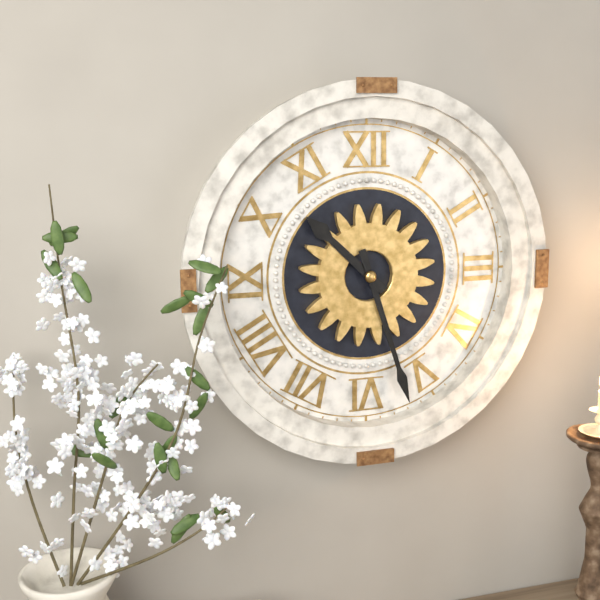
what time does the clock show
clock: 10:27
